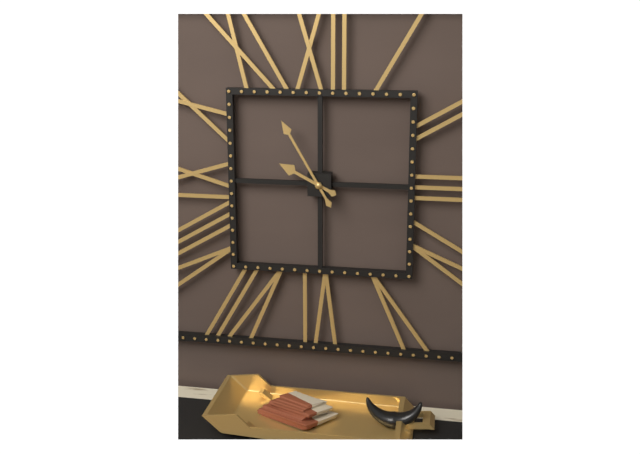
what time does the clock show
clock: 9:55
